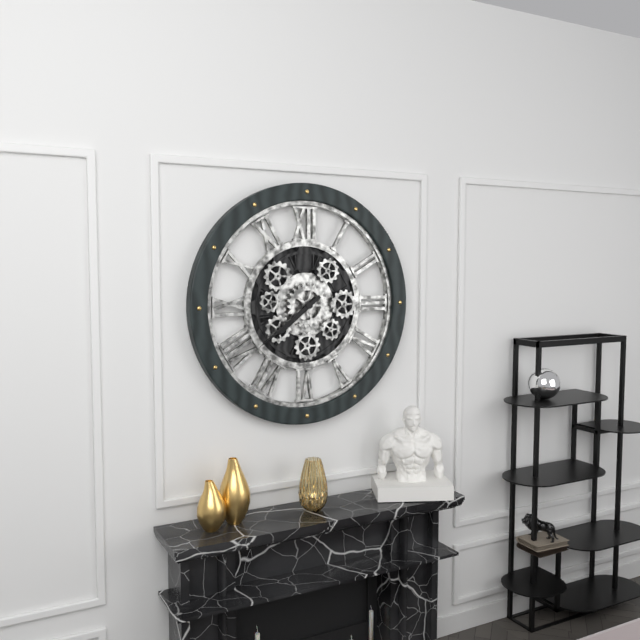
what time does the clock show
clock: 7:39
